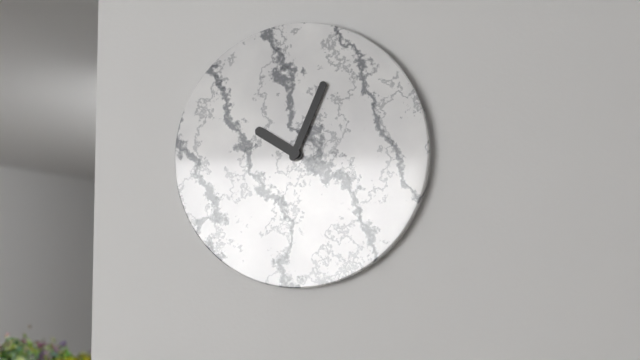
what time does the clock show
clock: 10:04
